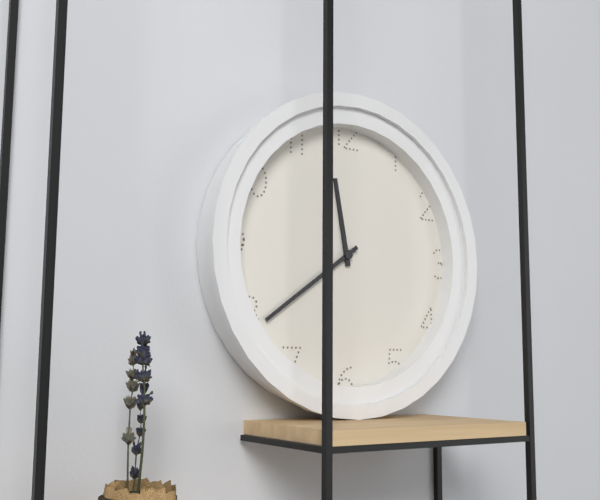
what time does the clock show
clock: 11:39
